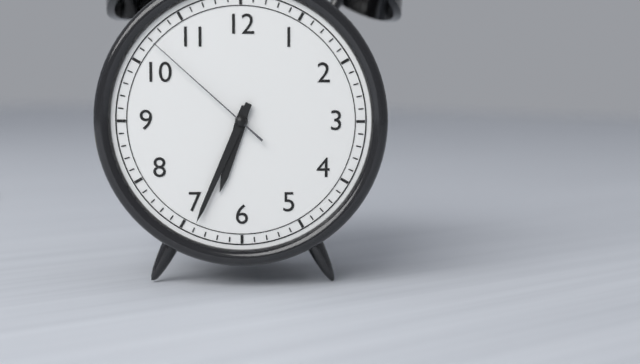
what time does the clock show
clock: 6:34:52
